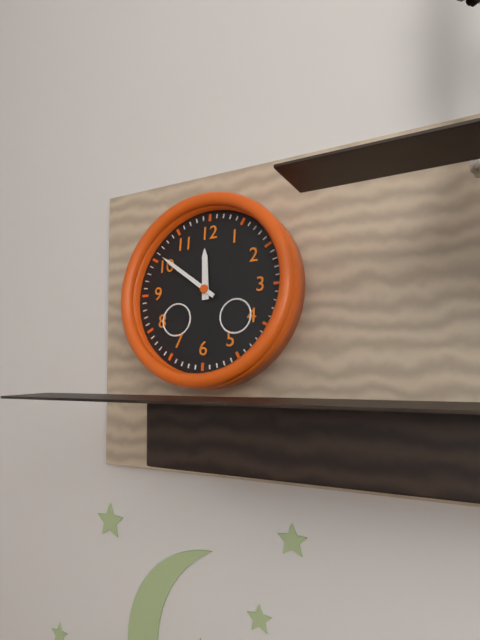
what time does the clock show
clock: 11:51
